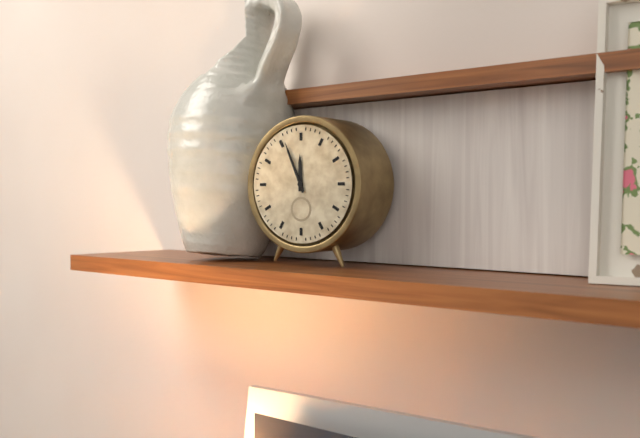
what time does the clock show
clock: 11:56
